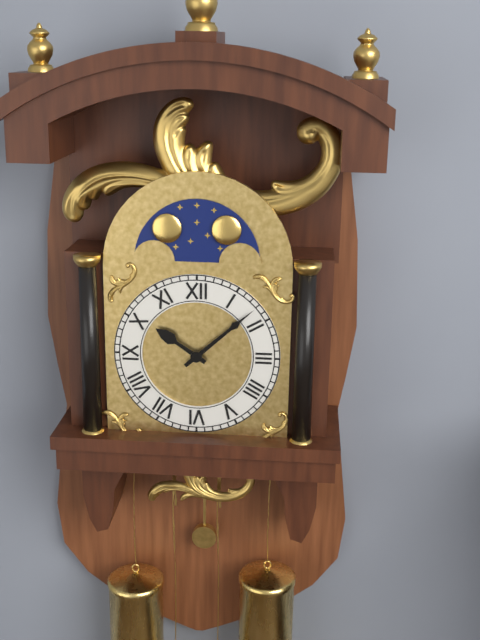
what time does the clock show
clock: 10:08
